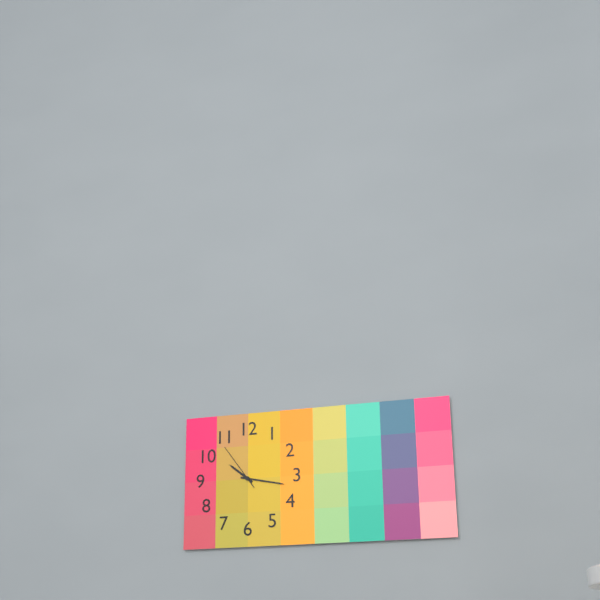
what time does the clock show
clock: 10:17
